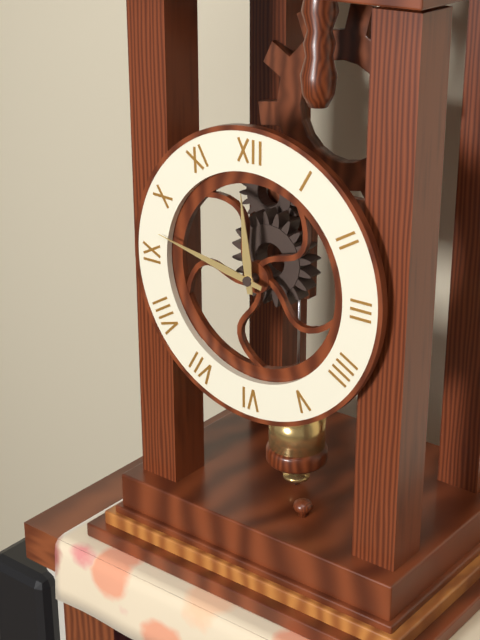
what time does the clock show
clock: 11:47
